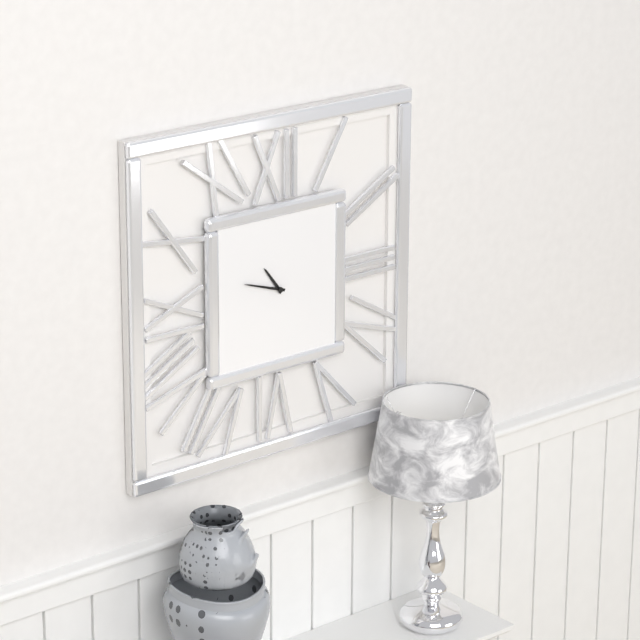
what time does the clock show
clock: 10:48
